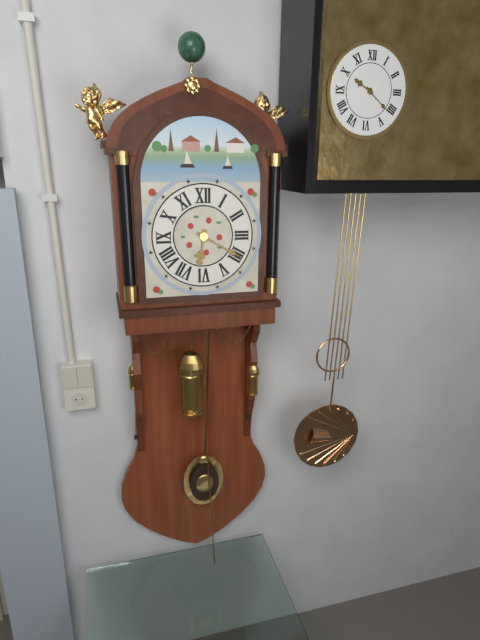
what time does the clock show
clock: 6:20
